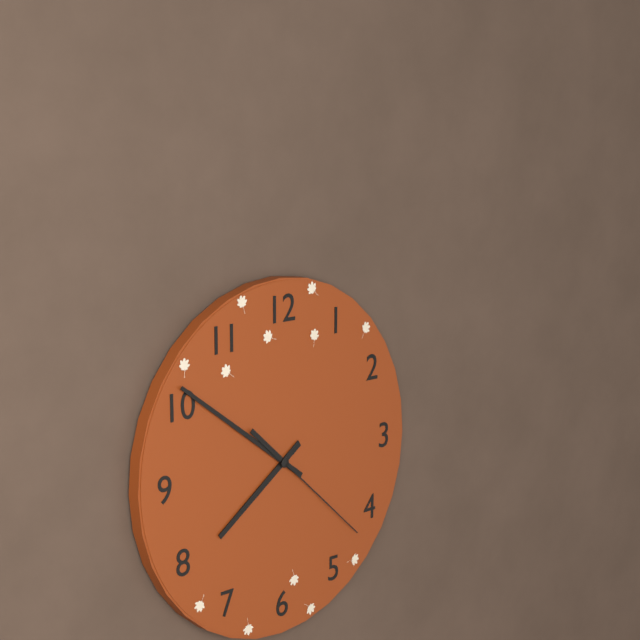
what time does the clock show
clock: 7:51:22
